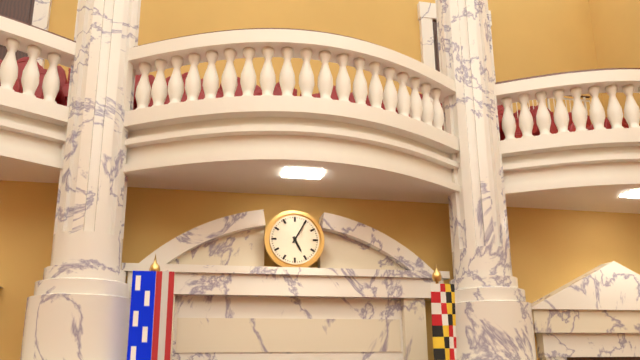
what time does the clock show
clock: 5:05
